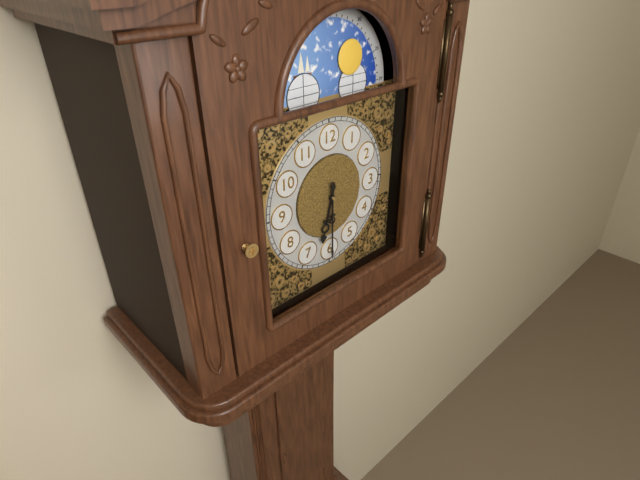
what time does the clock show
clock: 6:30
